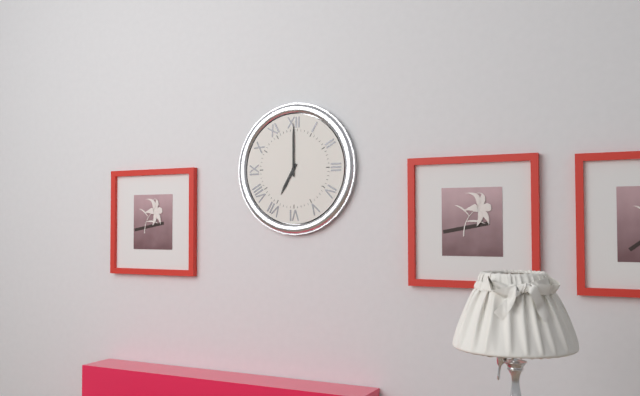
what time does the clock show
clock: 7:00
